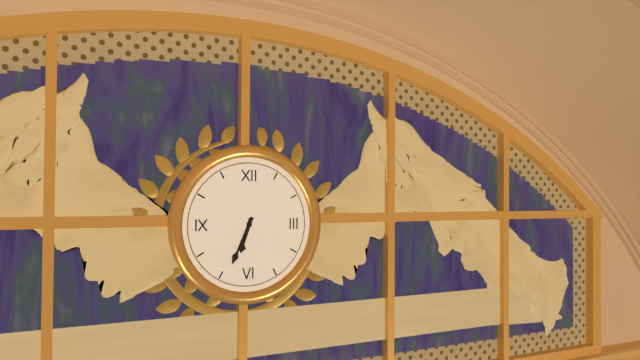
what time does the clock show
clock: 6:34
